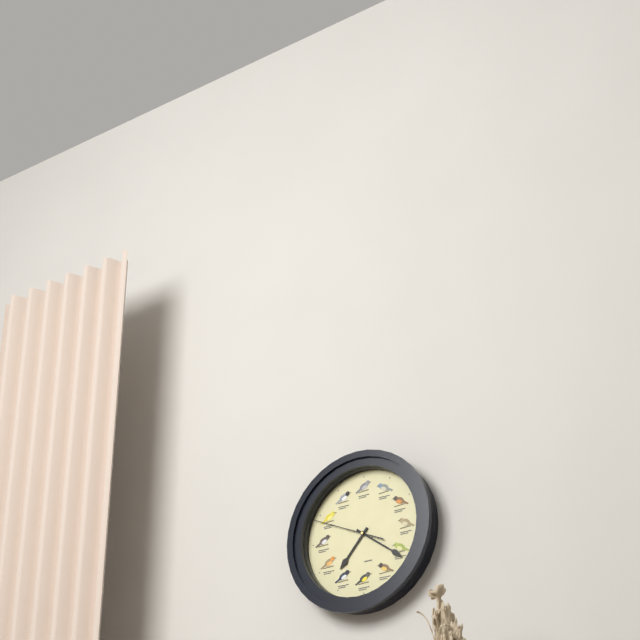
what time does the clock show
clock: 7:21:49
